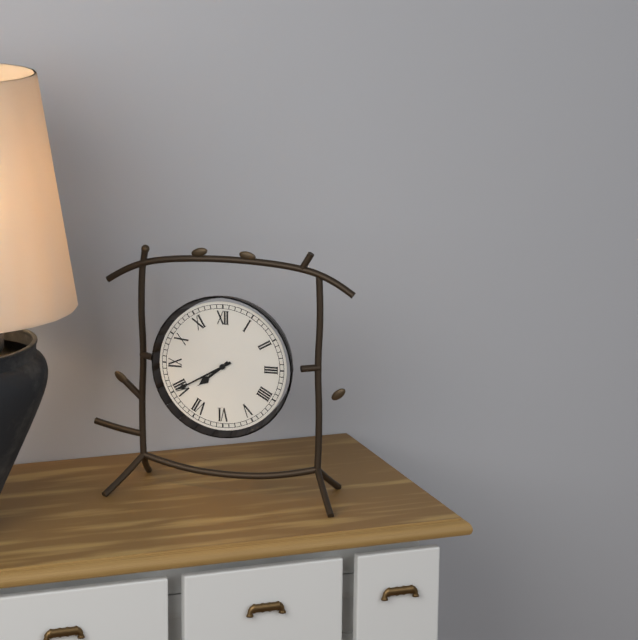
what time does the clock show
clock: 7:40
